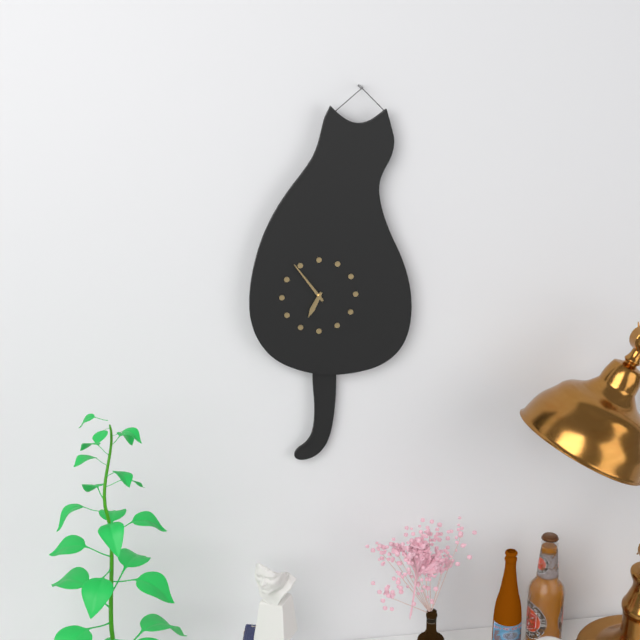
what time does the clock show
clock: 6:54
